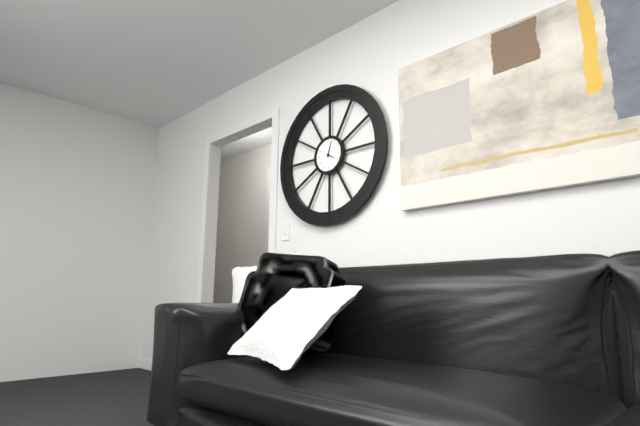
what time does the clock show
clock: 4:03
